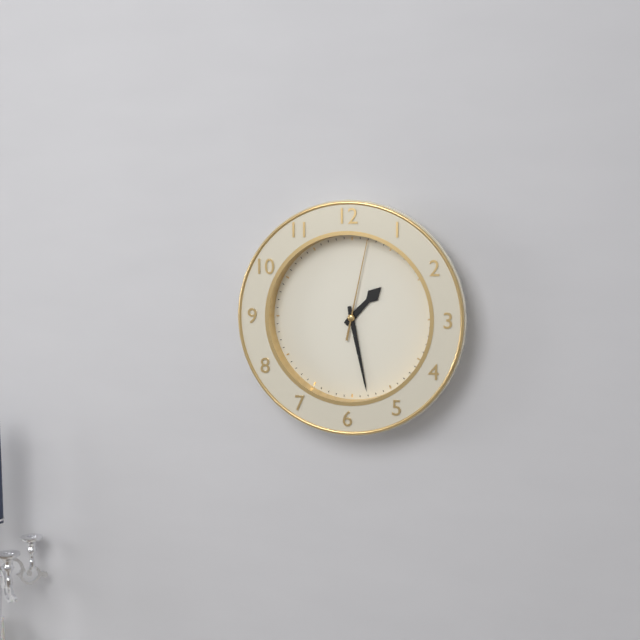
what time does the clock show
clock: 1:28:02
